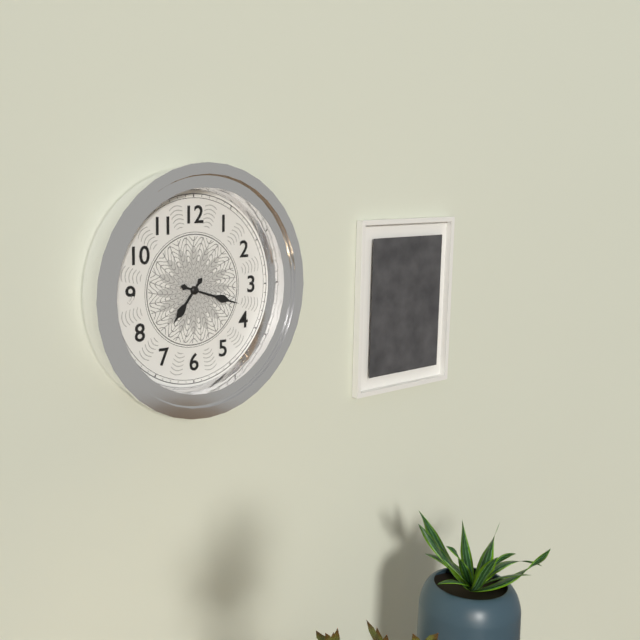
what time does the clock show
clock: 7:18
